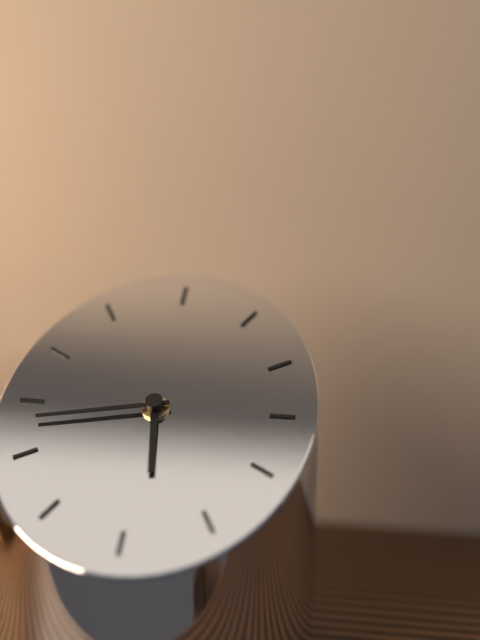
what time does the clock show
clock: 5:43
